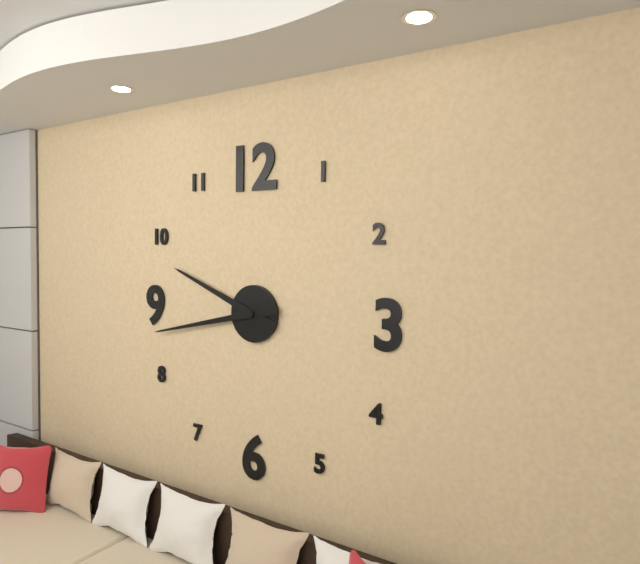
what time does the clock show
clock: 9:43
